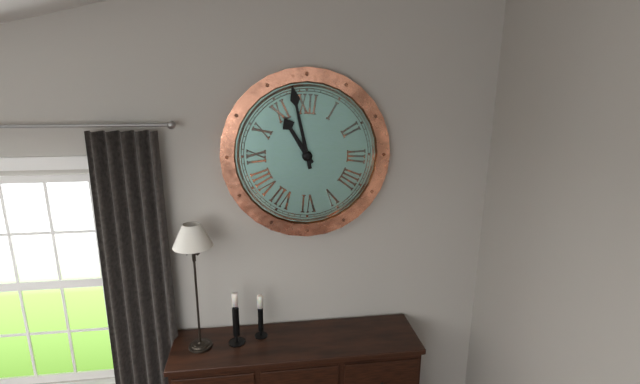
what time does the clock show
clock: 10:58
